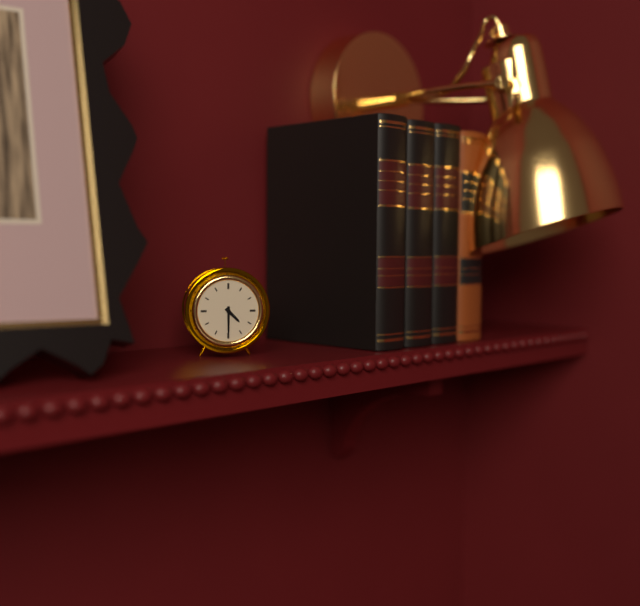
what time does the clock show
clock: 4:30
